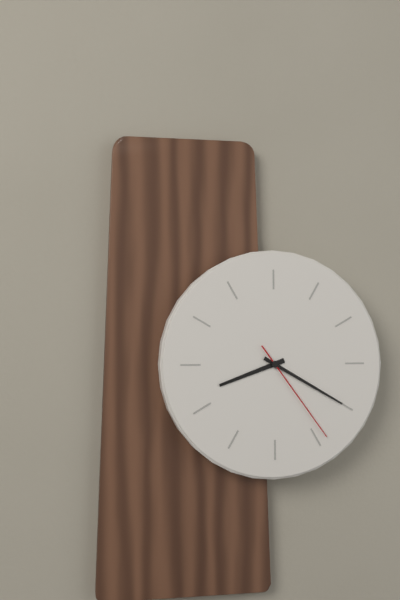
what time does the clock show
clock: 8:20:24
